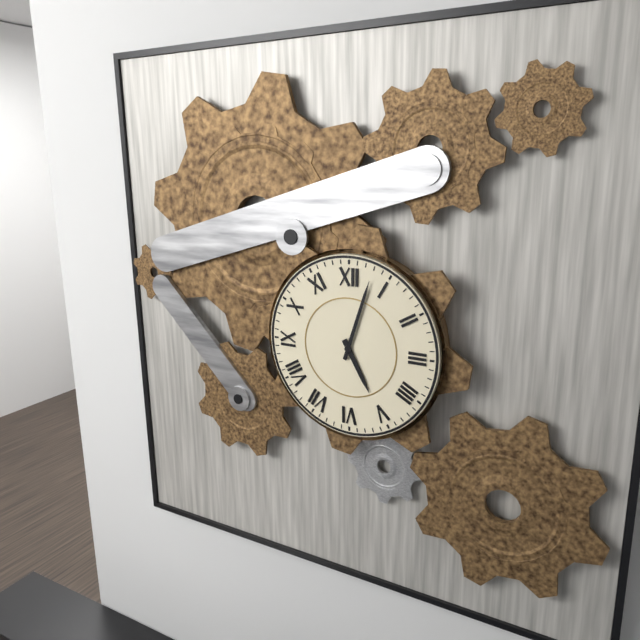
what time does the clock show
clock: 5:03
